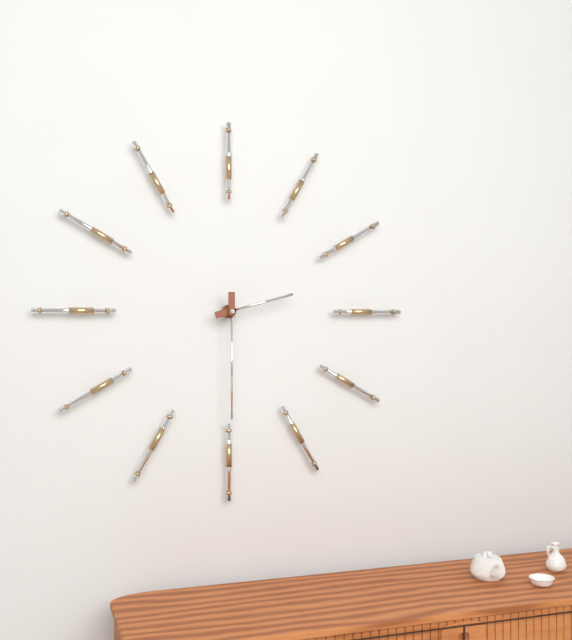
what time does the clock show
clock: 2:30
